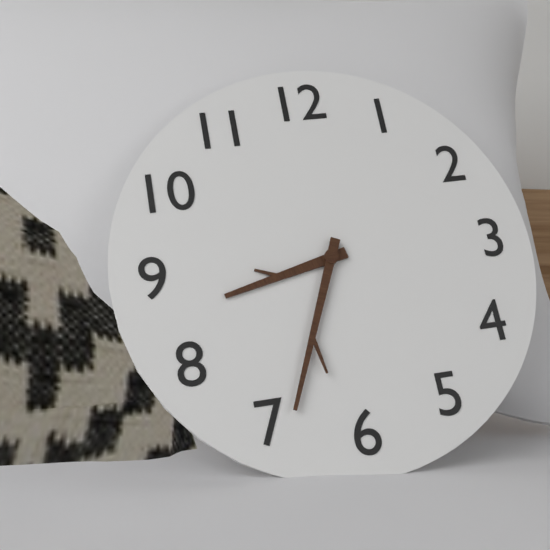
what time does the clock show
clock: 8:34
